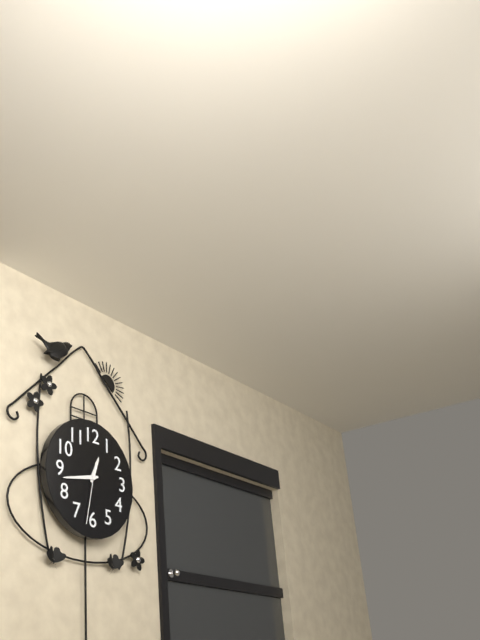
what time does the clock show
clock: 12:43:32
